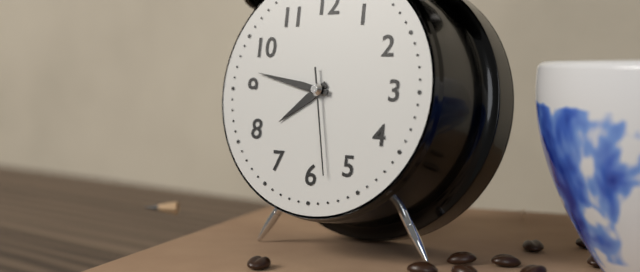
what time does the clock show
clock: 7:47:28
